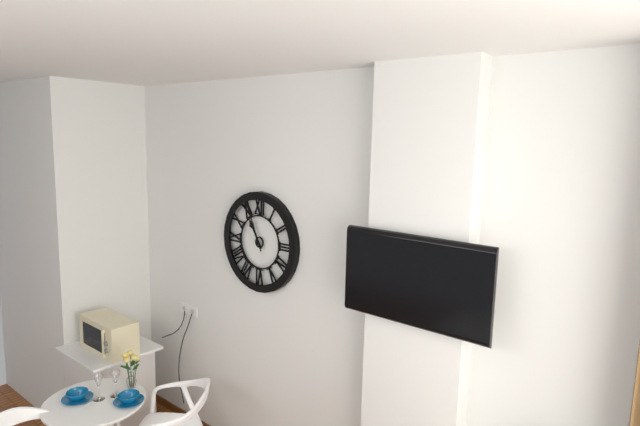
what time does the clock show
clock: 10:56
